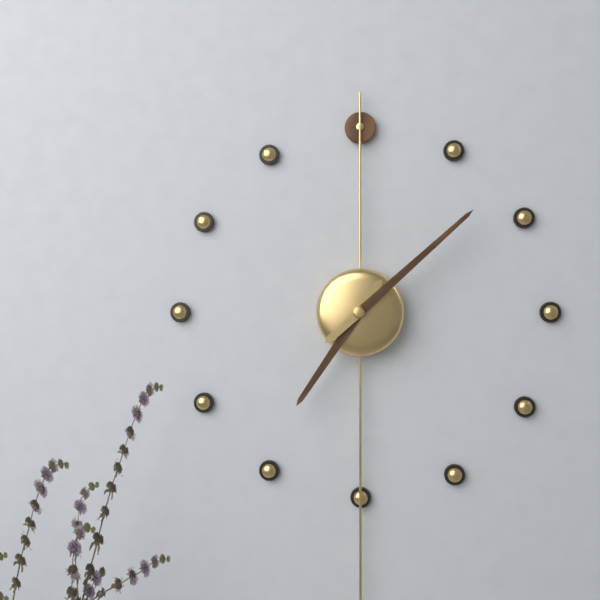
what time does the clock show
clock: 7:08
